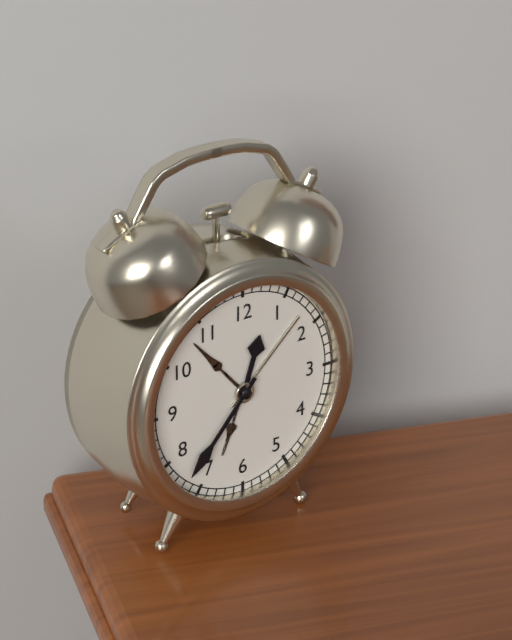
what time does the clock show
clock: 12:37
